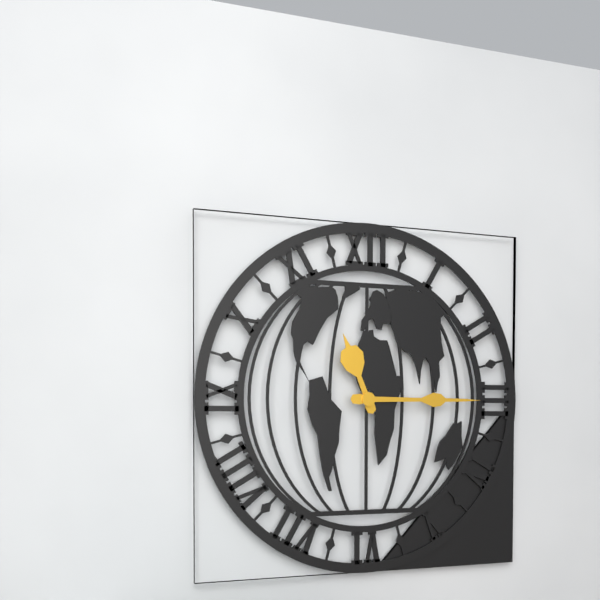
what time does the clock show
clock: 11:15
